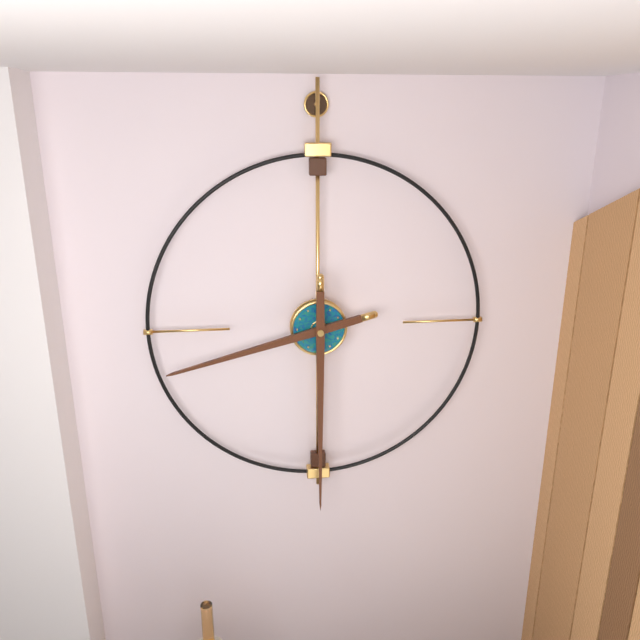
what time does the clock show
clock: 8:30
